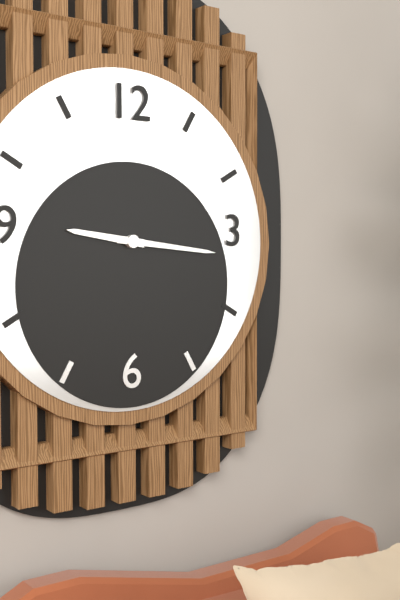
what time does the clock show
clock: 9:16
